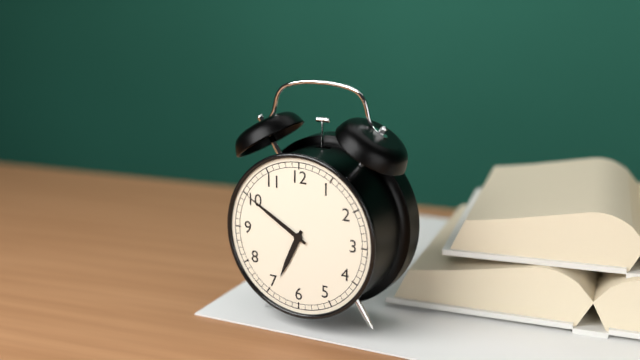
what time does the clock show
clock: 6:50
